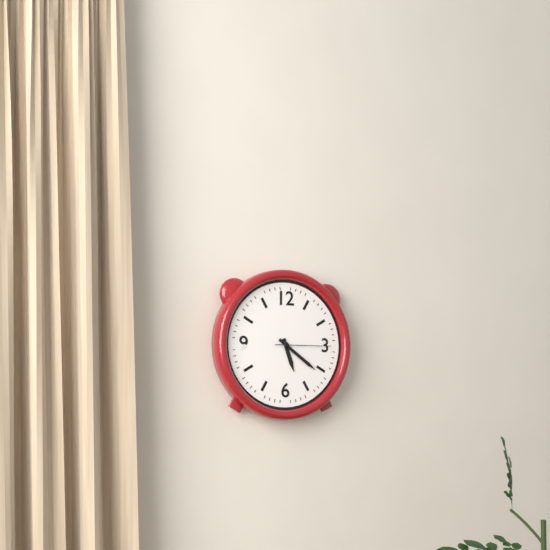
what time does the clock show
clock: 5:21:15
